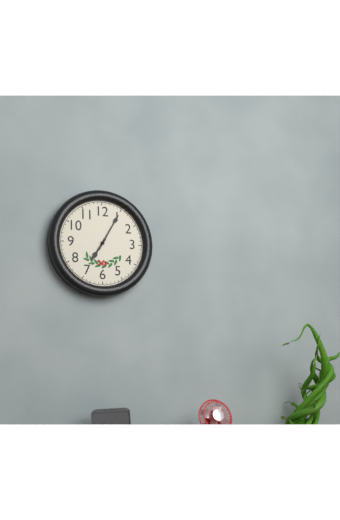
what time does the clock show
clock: 7:05
